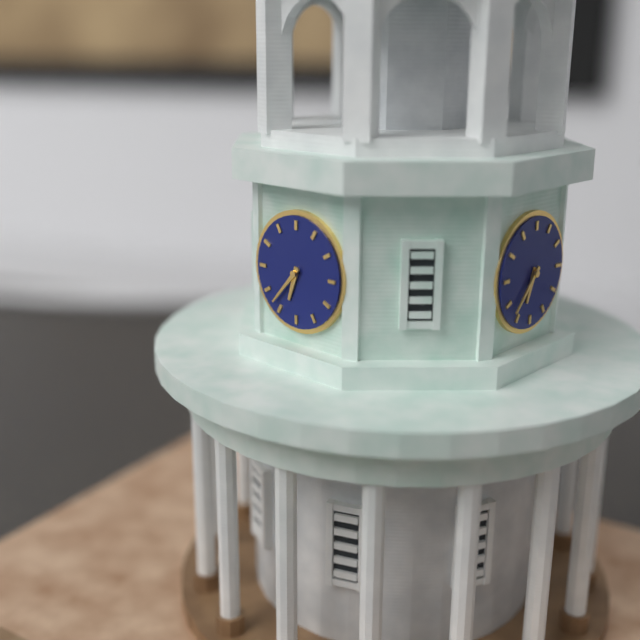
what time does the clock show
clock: 6:37
